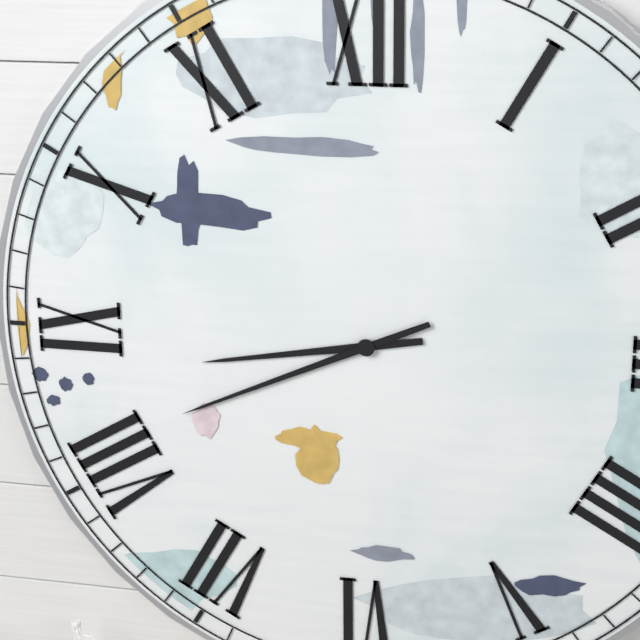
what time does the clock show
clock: 8:41
